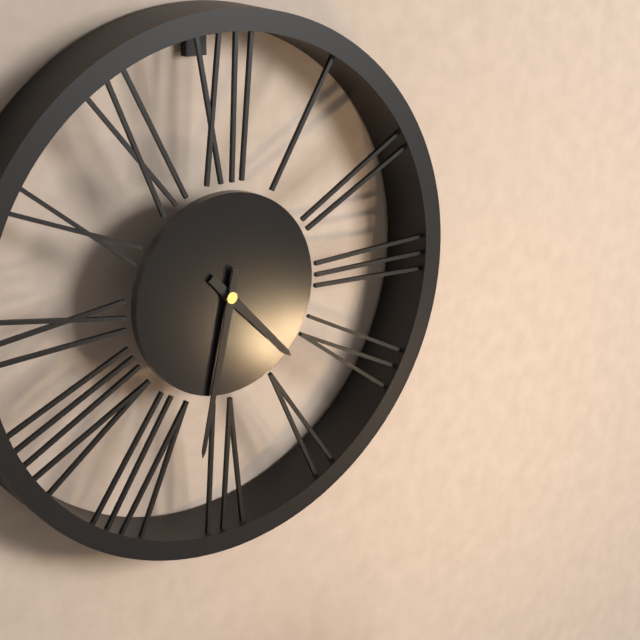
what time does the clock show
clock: 4:32
